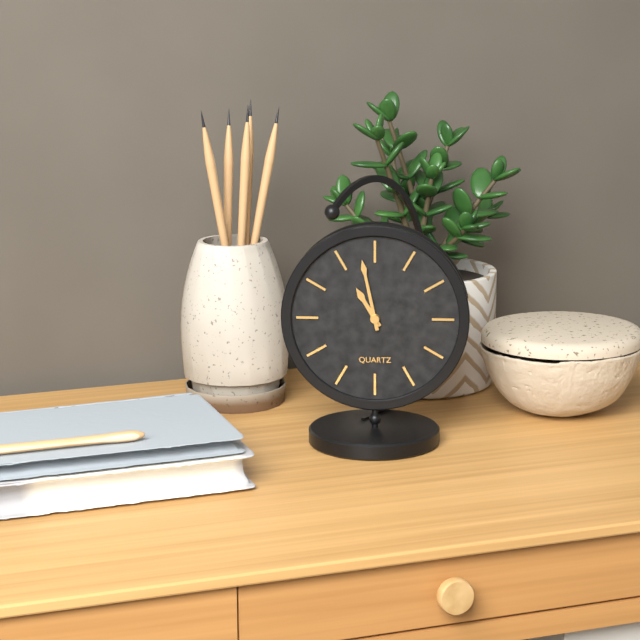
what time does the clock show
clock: 10:58
